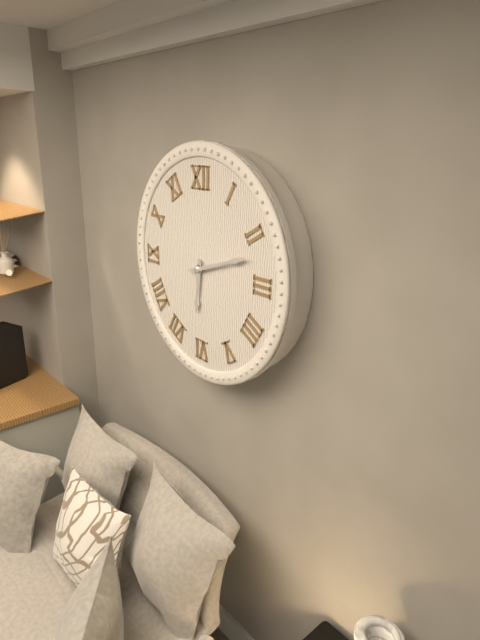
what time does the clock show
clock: 6:12
